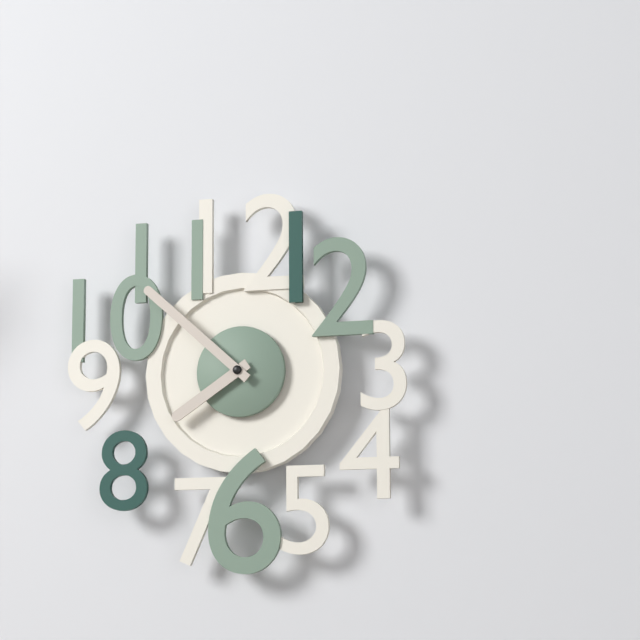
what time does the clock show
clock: 7:52
